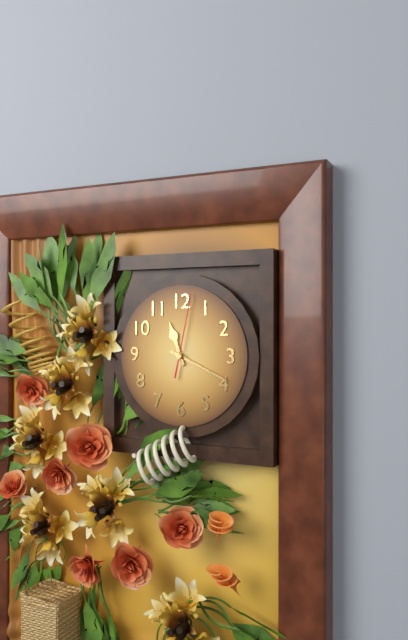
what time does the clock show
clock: 11:19:02
